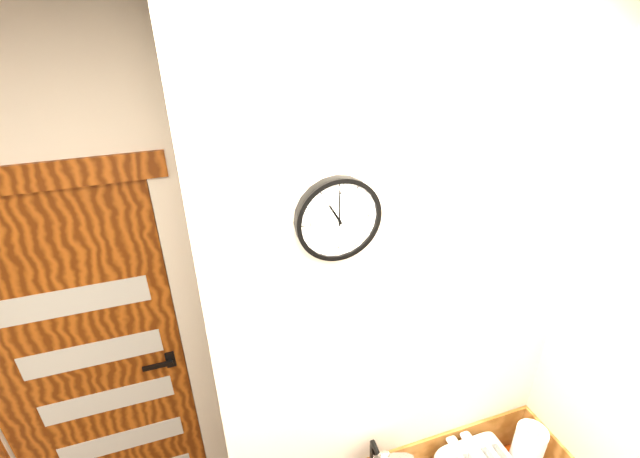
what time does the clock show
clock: 11:00
